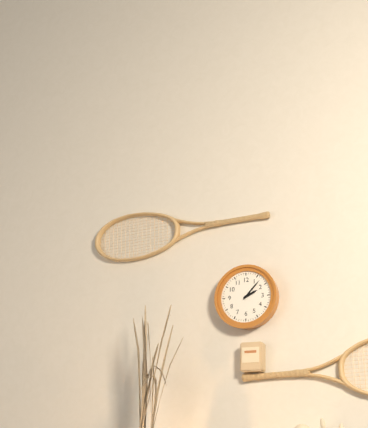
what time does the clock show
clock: 2:07
